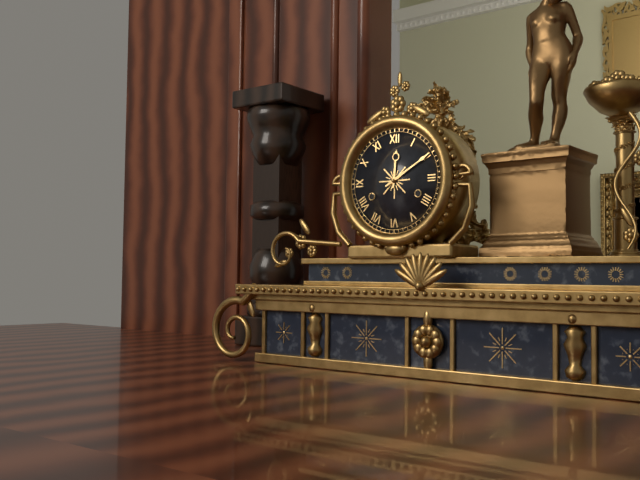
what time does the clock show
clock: 12:10
